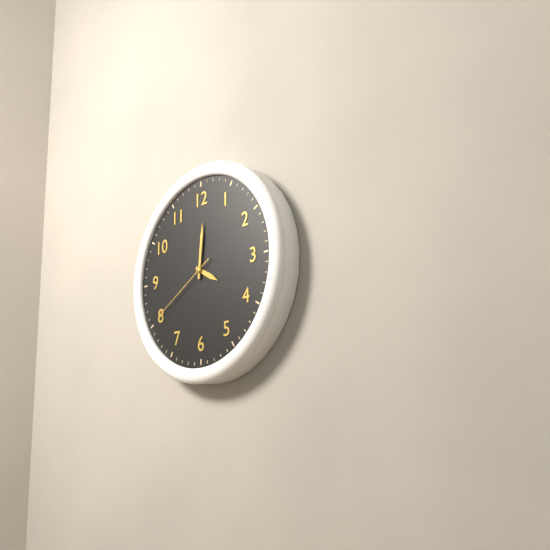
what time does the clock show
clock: 4:01:40
